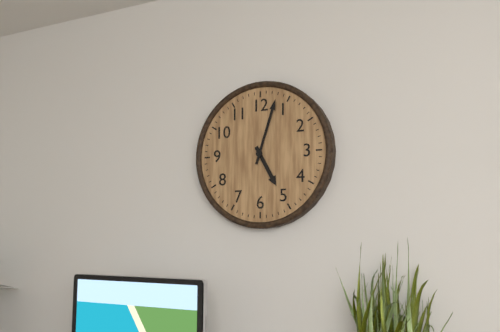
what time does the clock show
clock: 5:03
